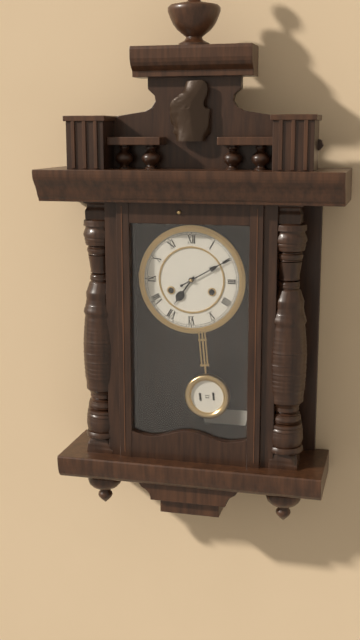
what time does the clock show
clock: 7:10
